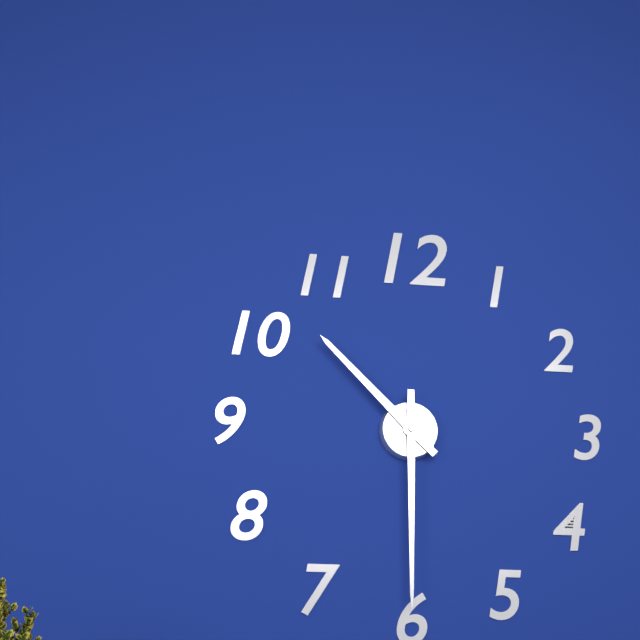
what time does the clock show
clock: 10:30
